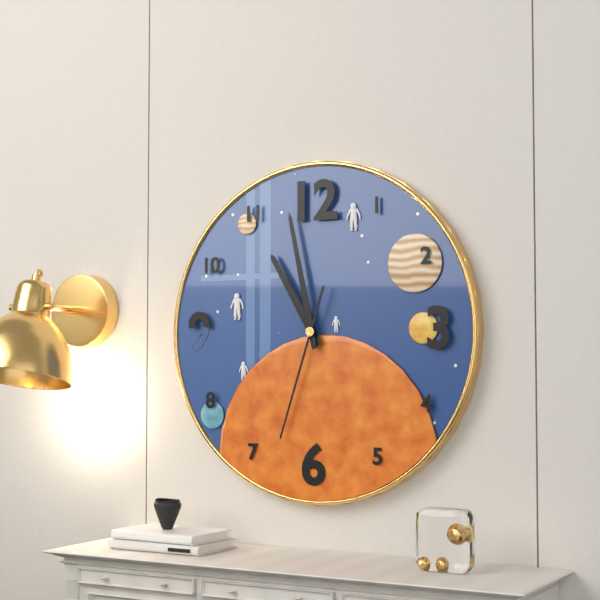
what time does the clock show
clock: 10:58:33
